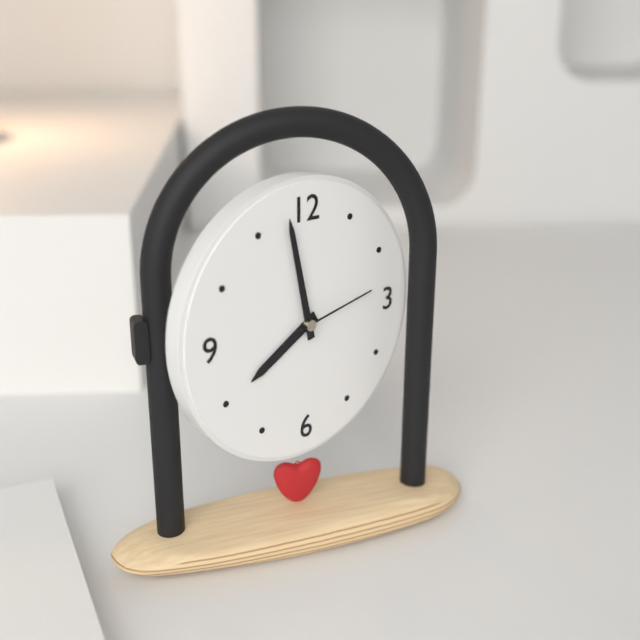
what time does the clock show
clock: 7:58:13
